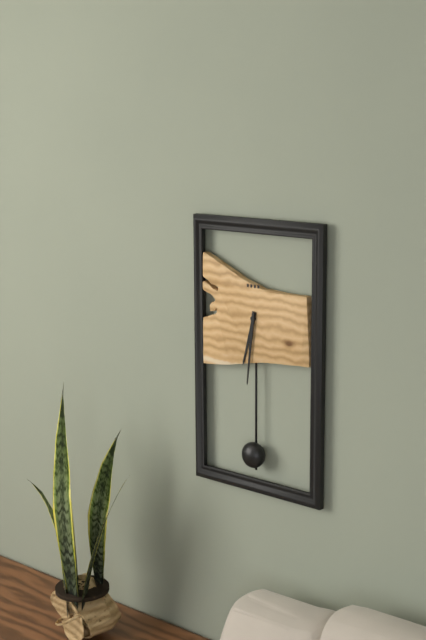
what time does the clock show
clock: 6:31
